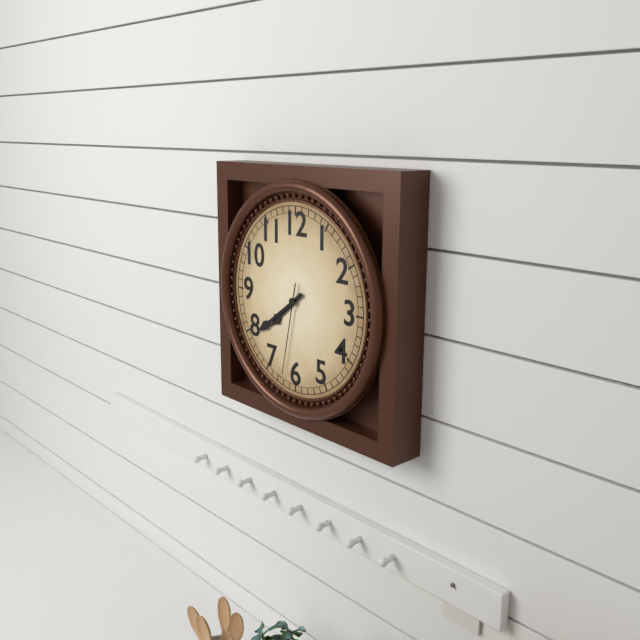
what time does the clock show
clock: 7:39:32
